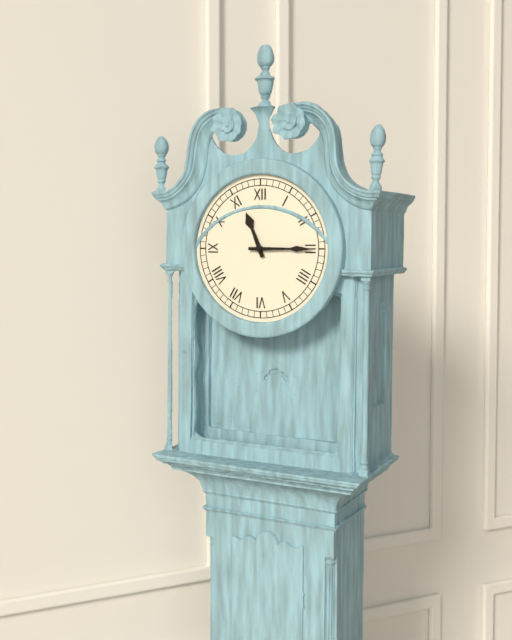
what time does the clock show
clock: 11:15
